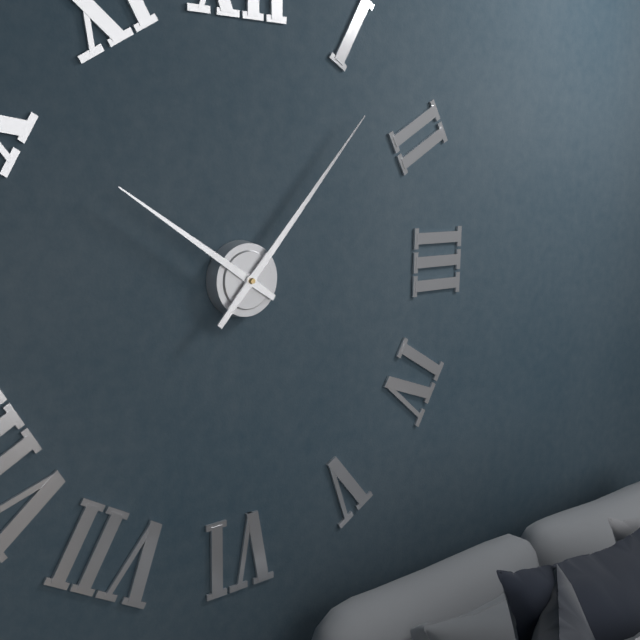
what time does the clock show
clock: 10:07
